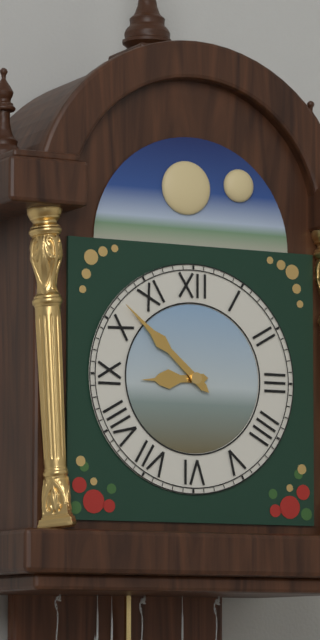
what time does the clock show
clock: 8:52
